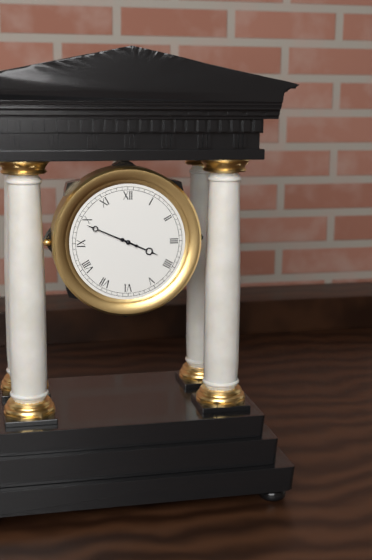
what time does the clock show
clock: 3:49
